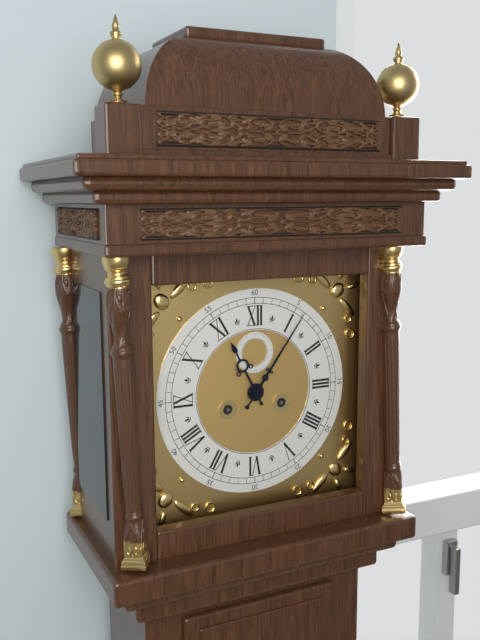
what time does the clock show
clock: 11:06
